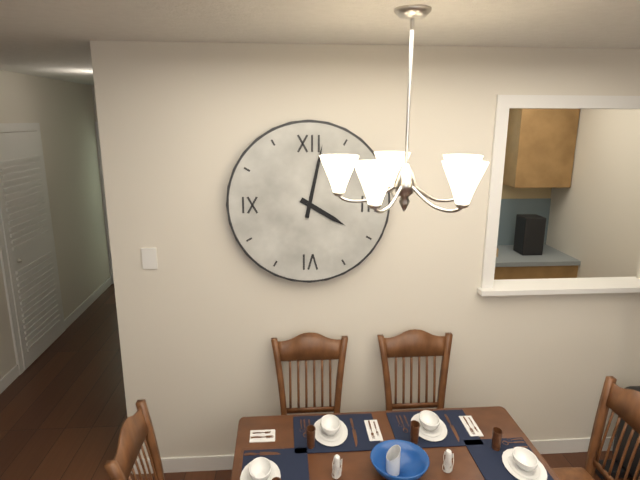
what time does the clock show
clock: 4:02
